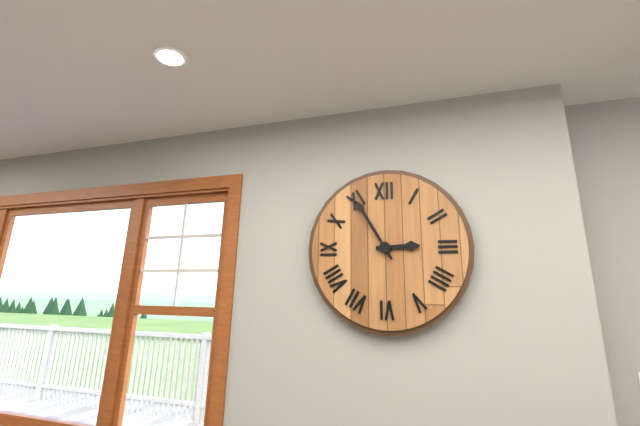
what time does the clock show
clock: 2:55
